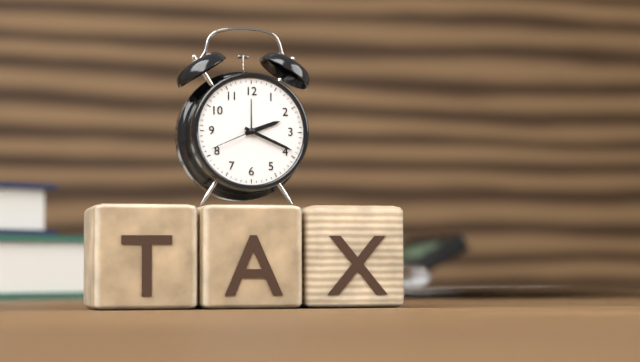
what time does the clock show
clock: 2:19:41
